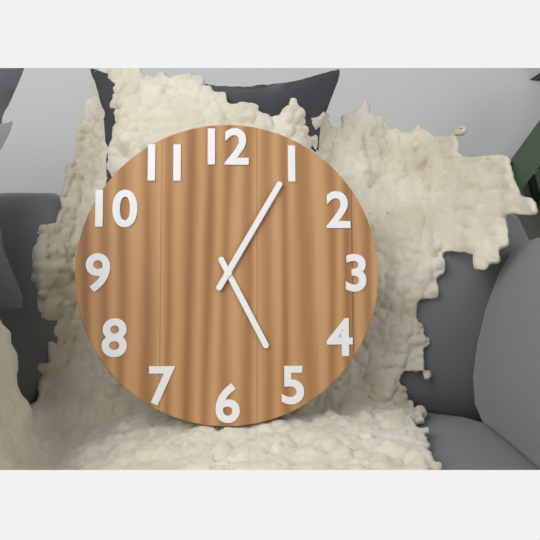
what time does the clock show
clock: 5:05
